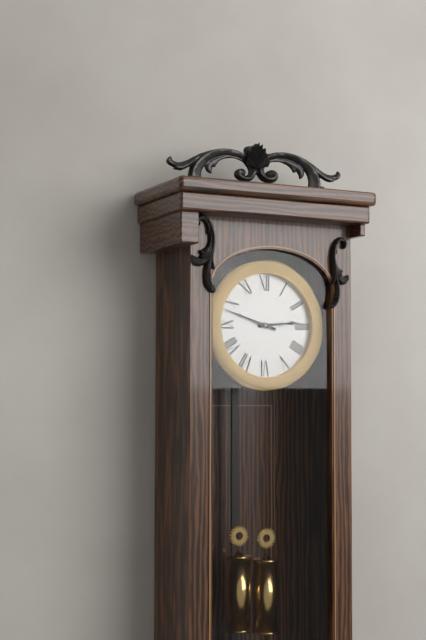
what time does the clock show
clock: 2:48
